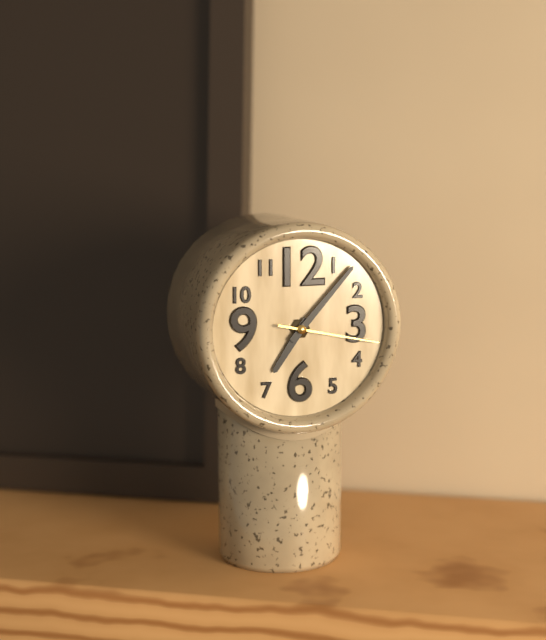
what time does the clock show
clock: 7:07:17
